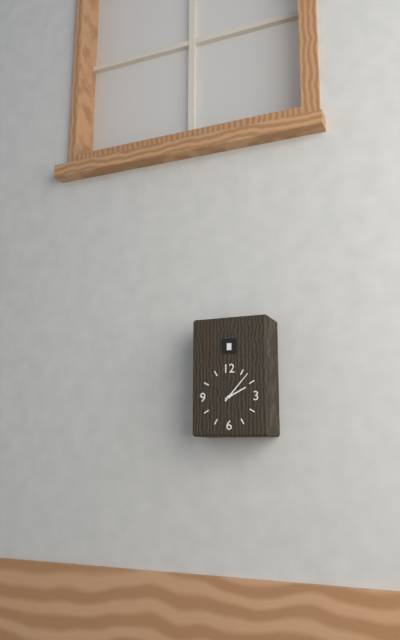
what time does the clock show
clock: 2:07
